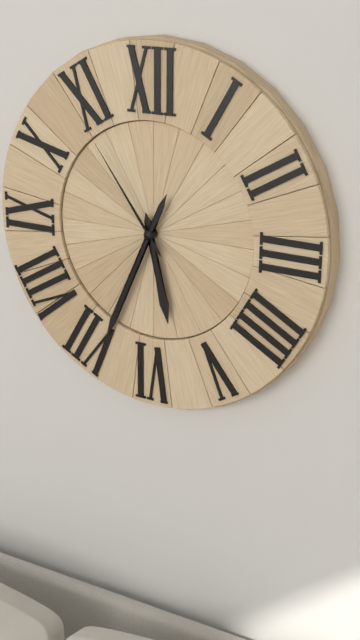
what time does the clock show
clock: 5:34:54
